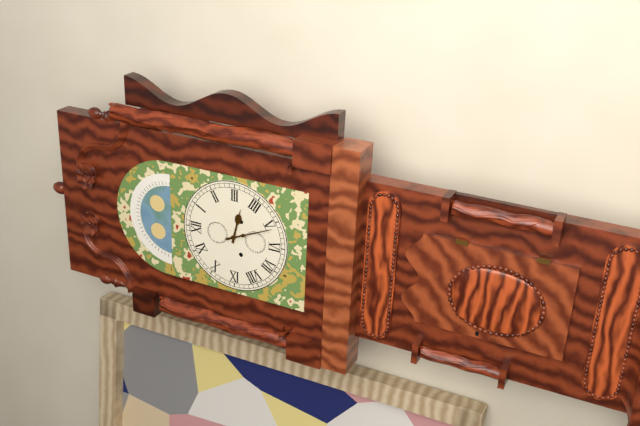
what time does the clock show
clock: 3:26
